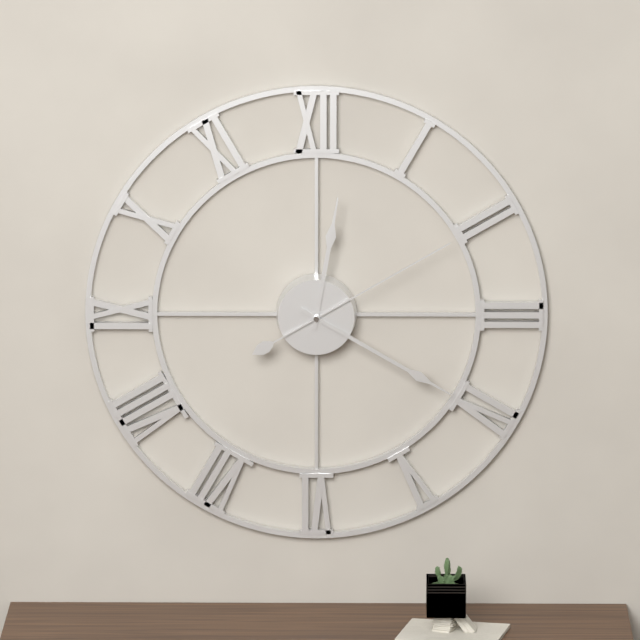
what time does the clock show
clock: 12:20:10
